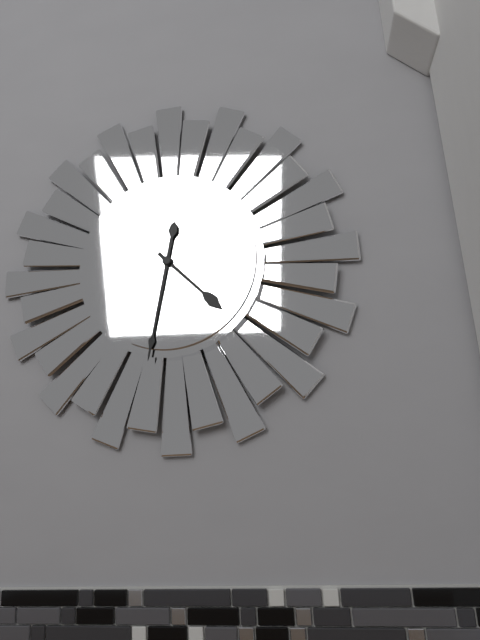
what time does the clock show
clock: 4:32
